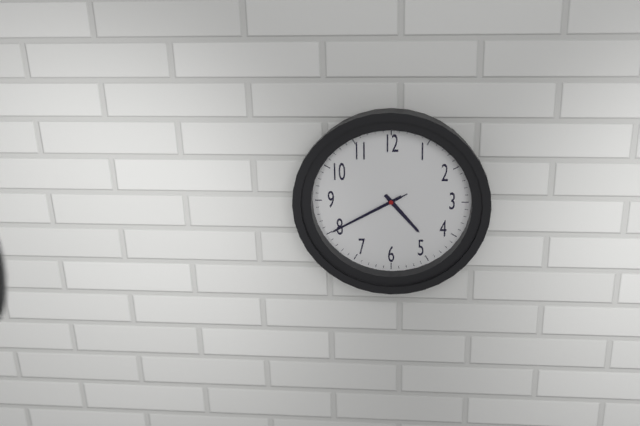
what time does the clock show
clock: 4:40:40
